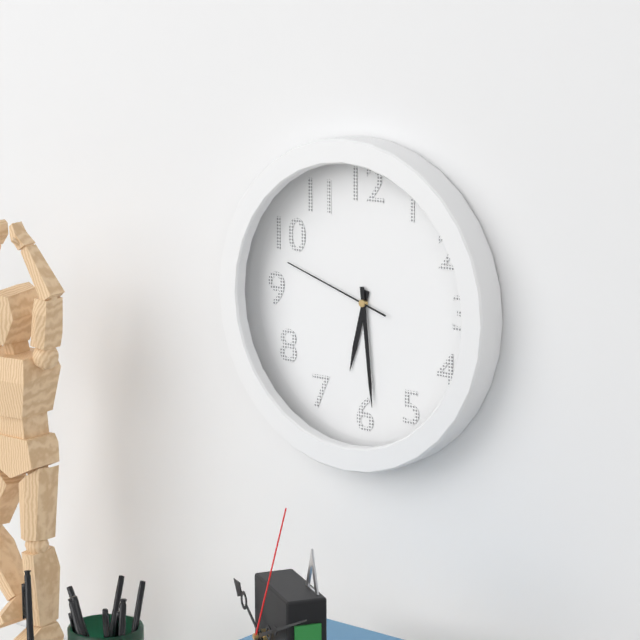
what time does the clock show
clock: 6:29:48
